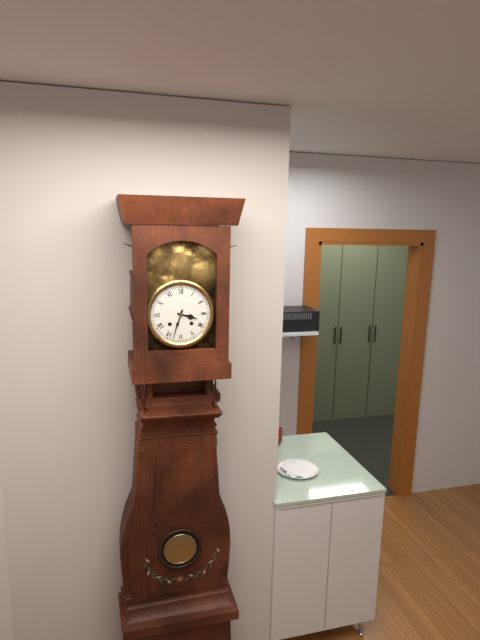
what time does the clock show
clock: 3:33
